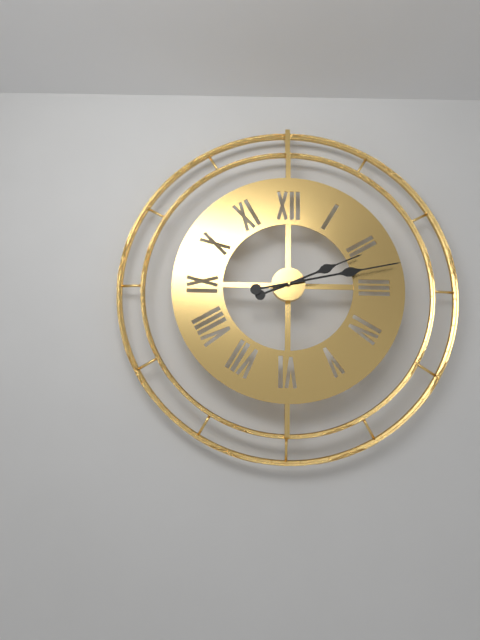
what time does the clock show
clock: 2:13
